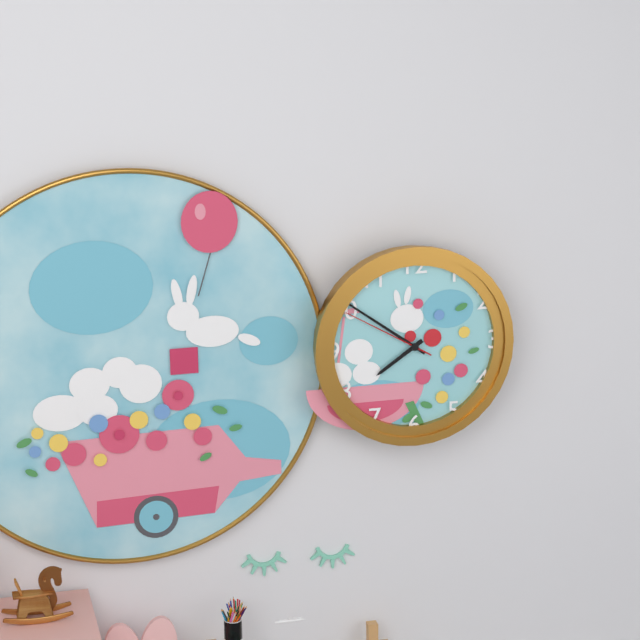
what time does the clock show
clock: 7:51:50
